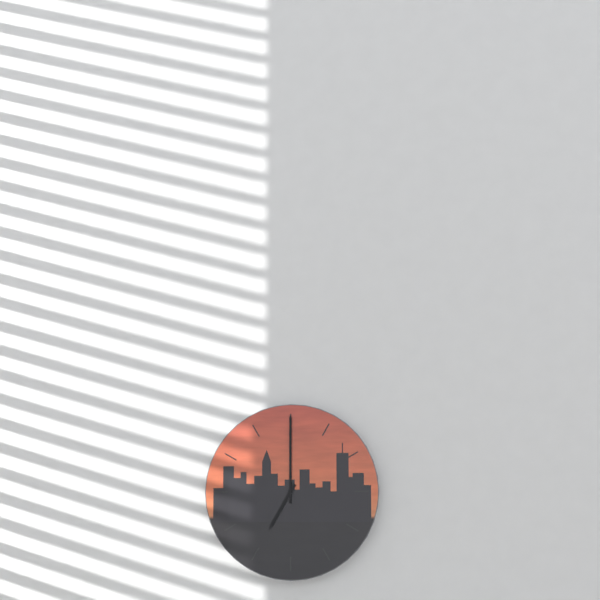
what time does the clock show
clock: 7:00
